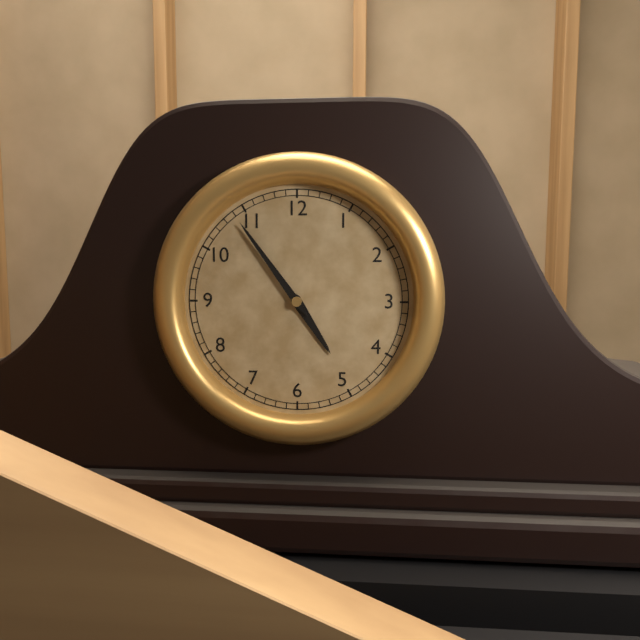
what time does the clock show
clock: 4:54
